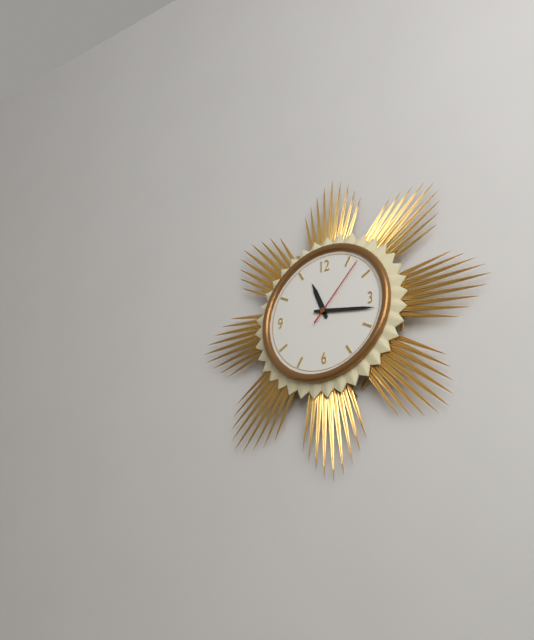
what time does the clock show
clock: 11:17:07
